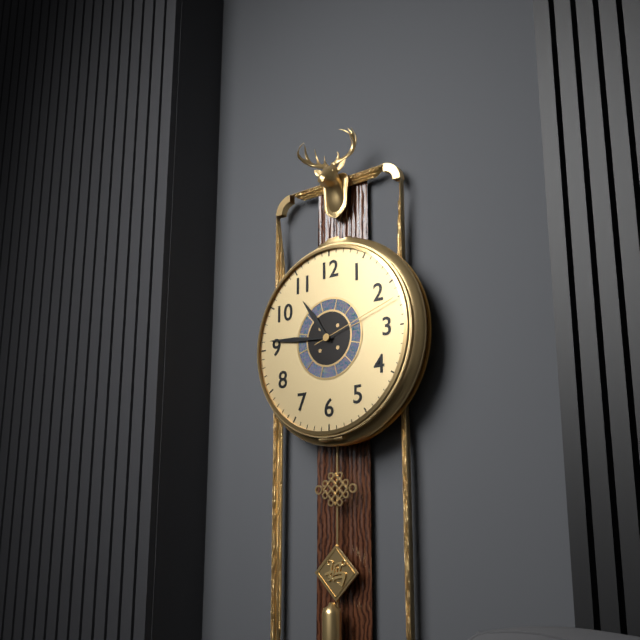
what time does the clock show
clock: 10:46:12
